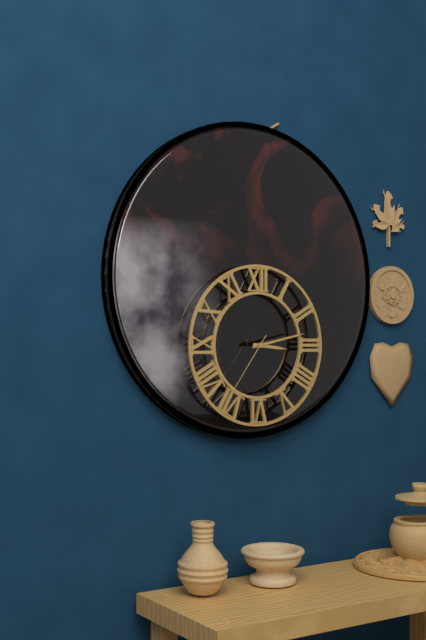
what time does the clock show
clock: 3:13:36
